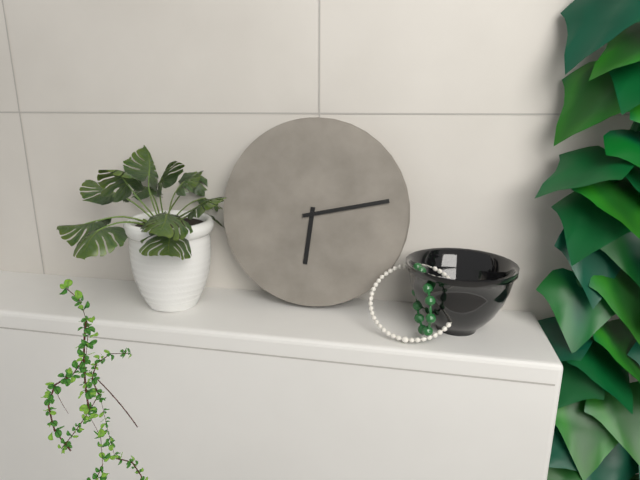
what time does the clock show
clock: 6:13
